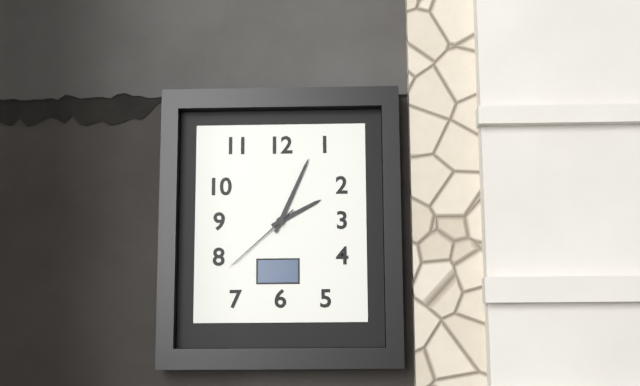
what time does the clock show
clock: 2:04:38
